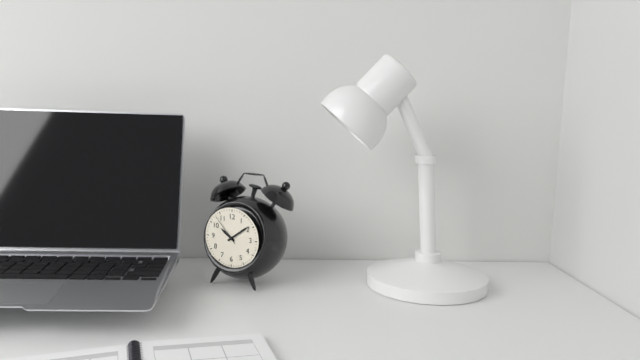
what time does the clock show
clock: 10:09
